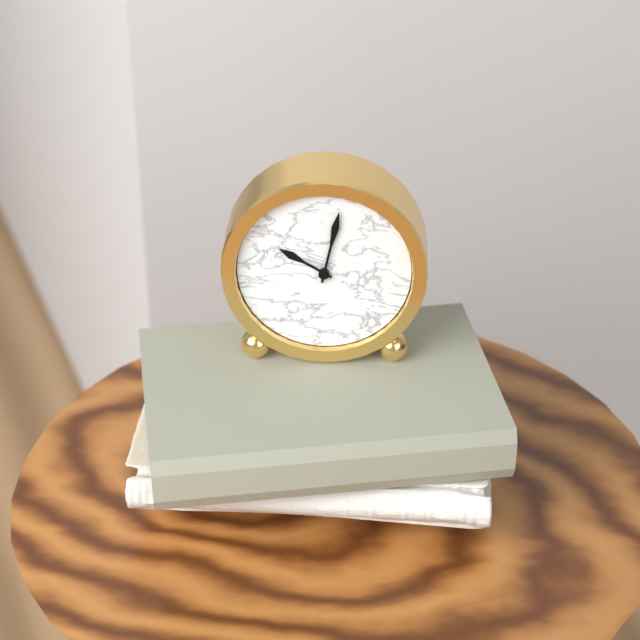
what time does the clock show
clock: 10:02
